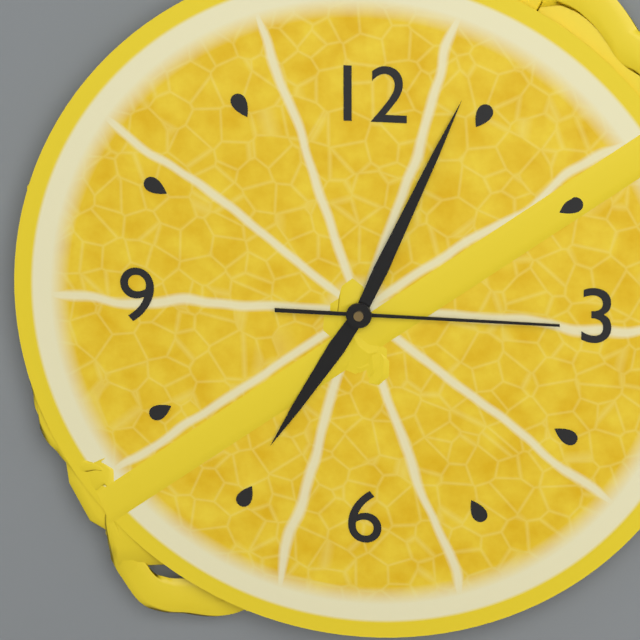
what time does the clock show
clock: 7:04:15
